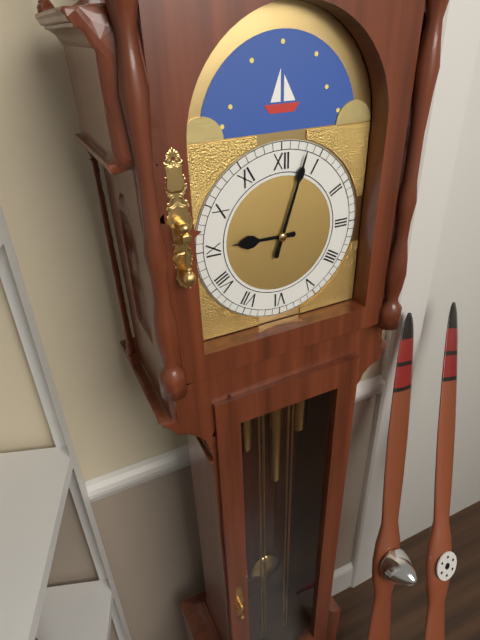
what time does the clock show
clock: 9:03
